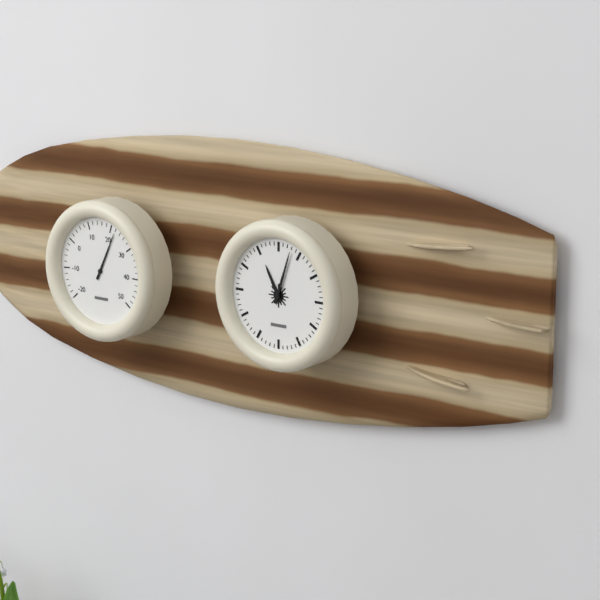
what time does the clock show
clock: 11:03
